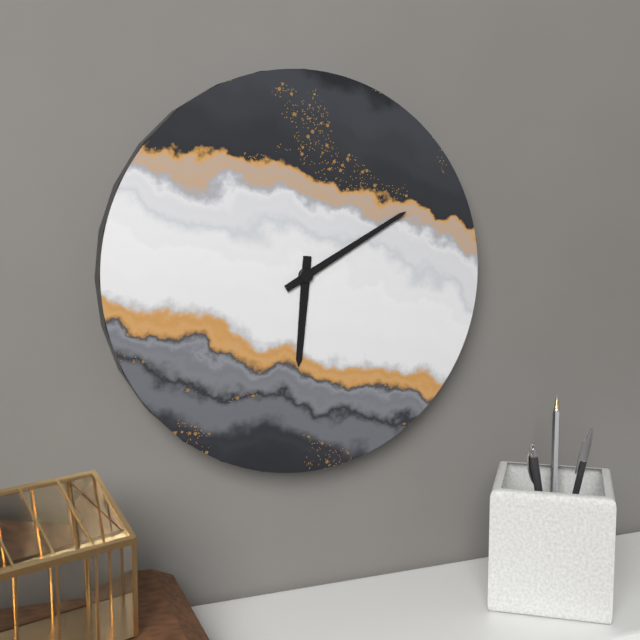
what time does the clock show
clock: 6:10
